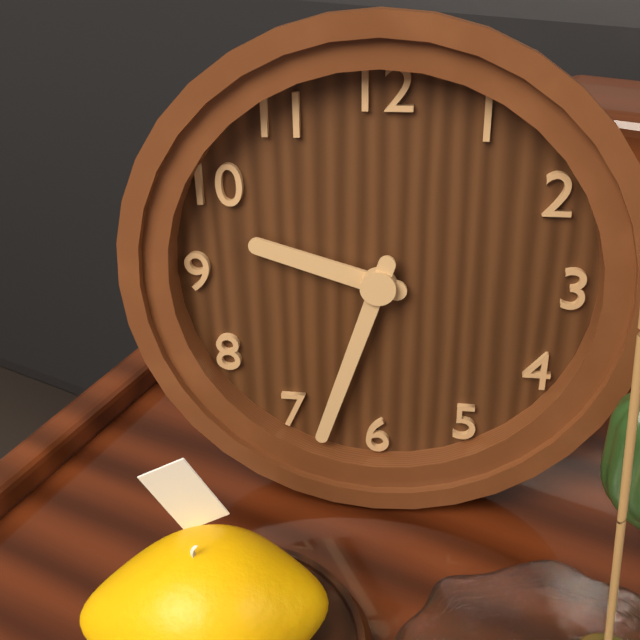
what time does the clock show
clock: 9:33
